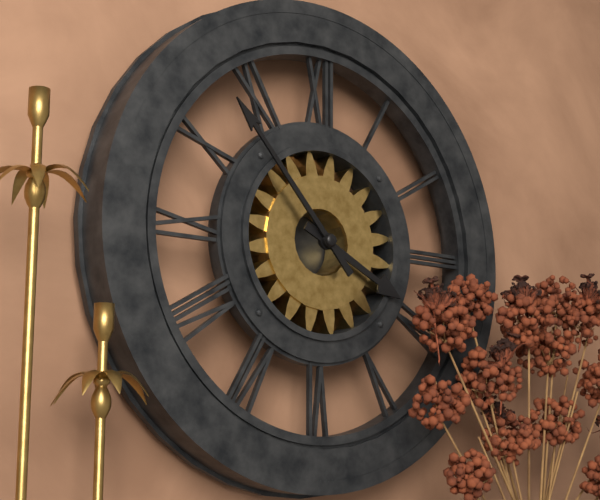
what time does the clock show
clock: 3:53
